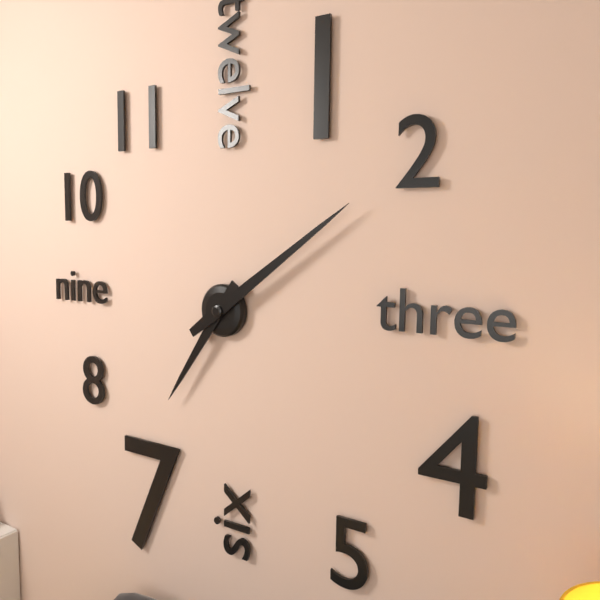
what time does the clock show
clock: 7:09
